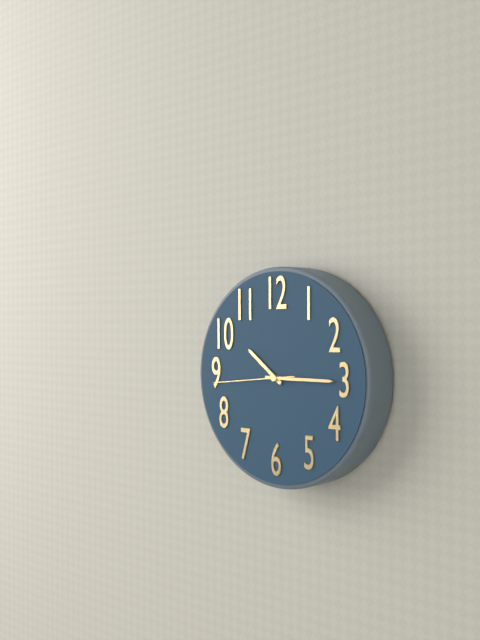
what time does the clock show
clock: 10:15:44
